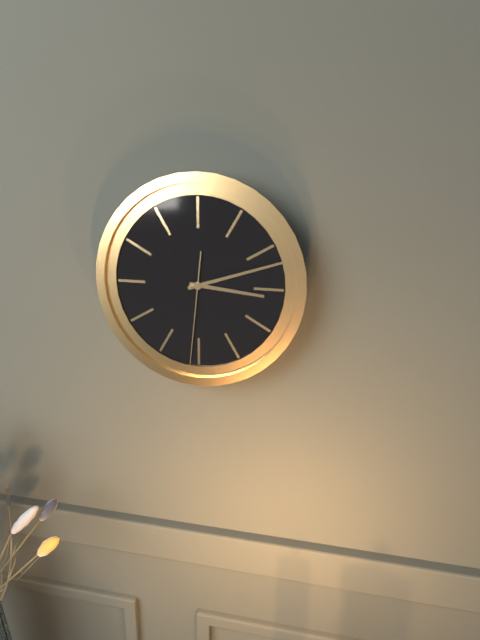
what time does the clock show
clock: 3:12:31
